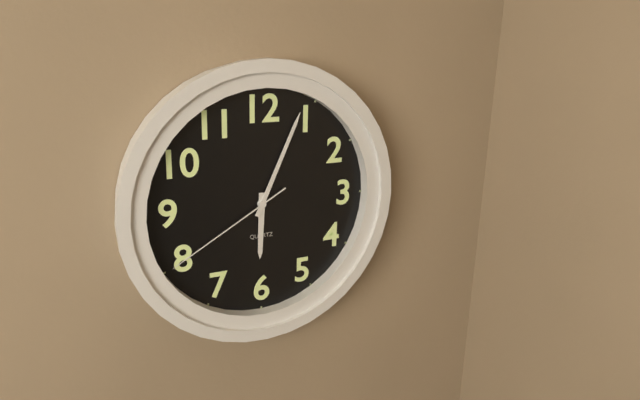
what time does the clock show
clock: 6:04:40
